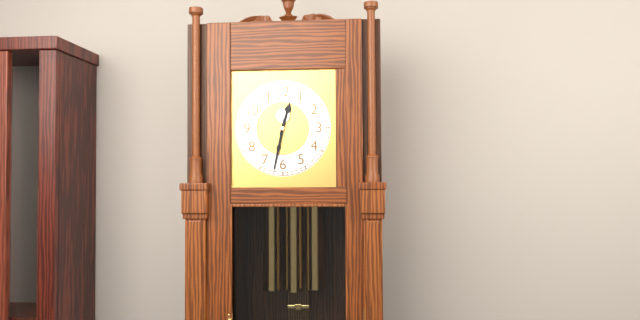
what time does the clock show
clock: 12:32
